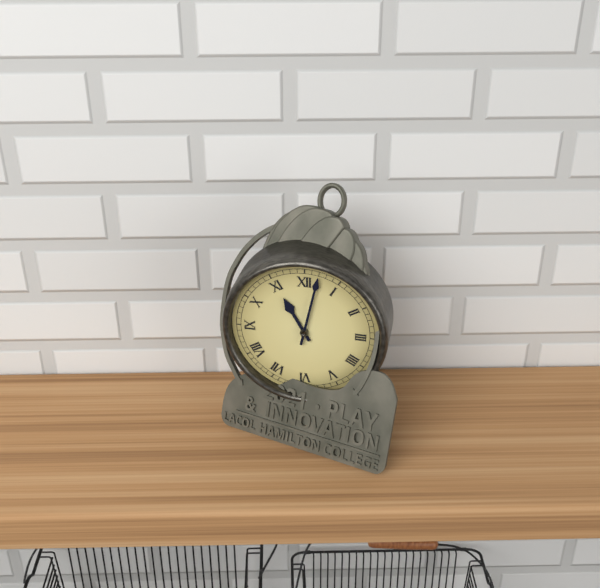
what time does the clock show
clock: 11:02
